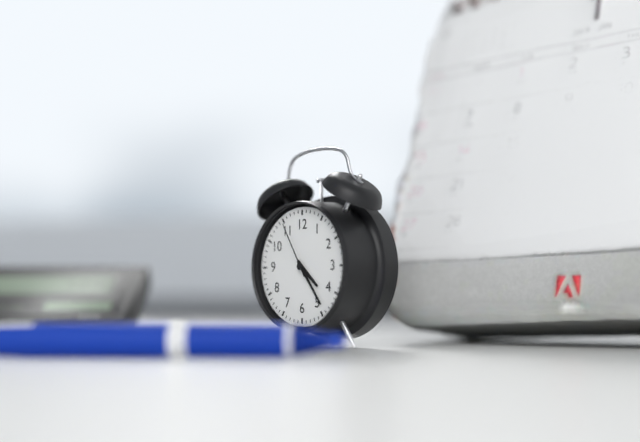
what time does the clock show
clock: 4:24:55
